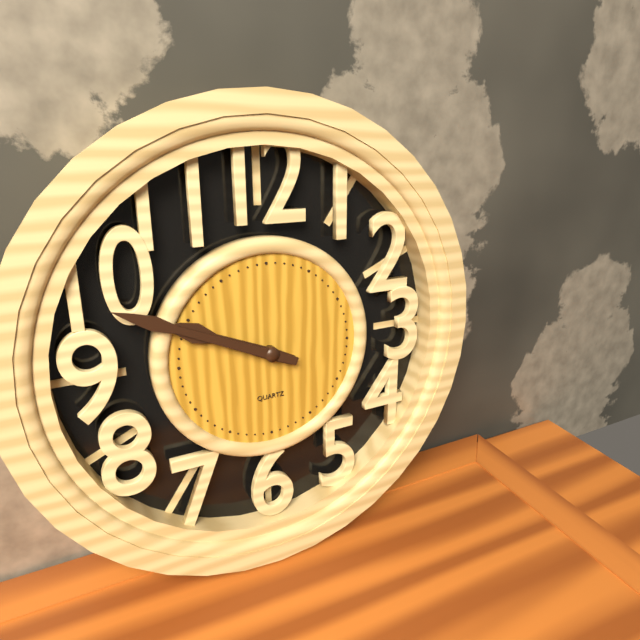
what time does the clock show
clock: 9:49
